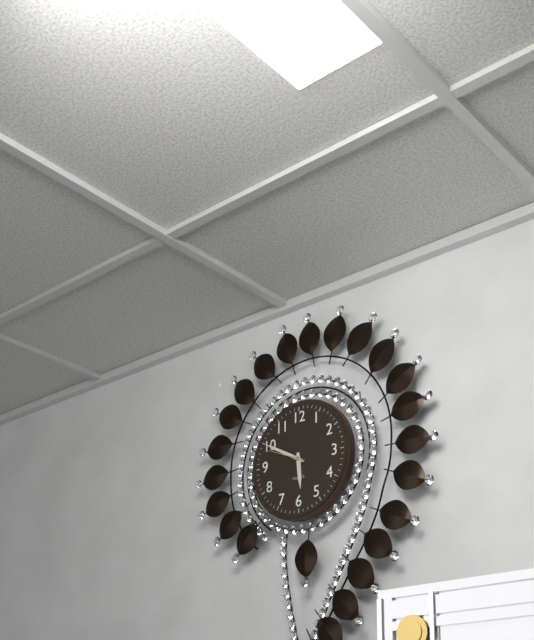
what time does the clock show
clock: 5:50
